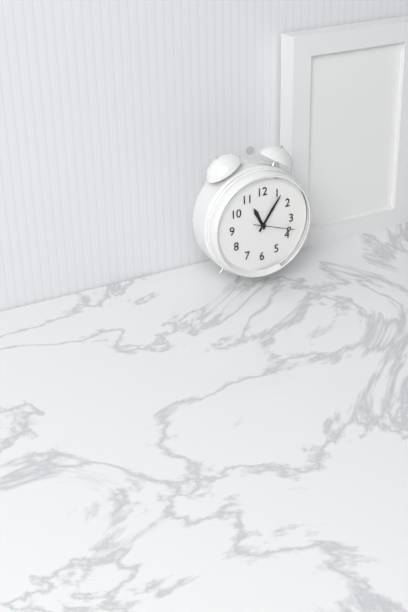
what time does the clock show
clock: 11:06
